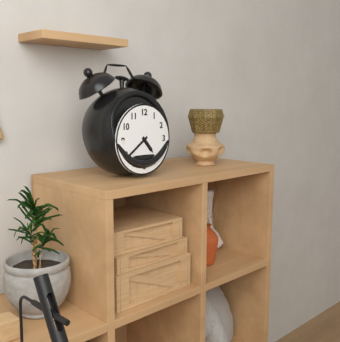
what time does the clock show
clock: 4:39
